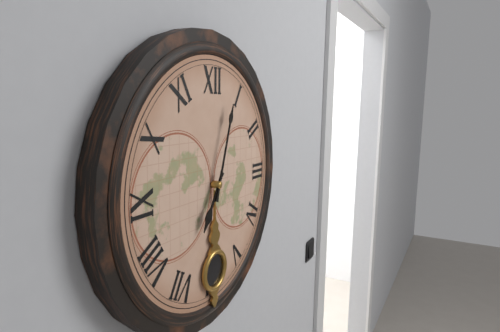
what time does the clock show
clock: 7:03
